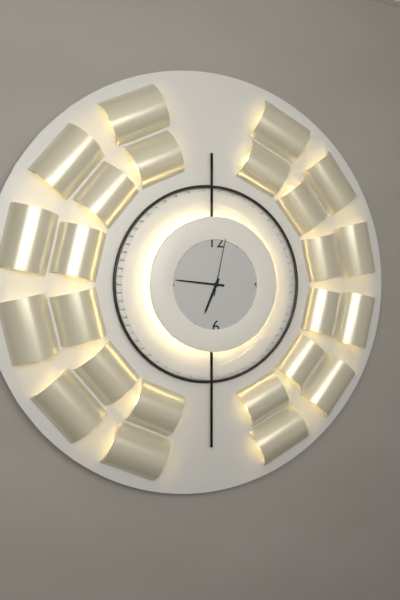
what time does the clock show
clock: 6:46:02
